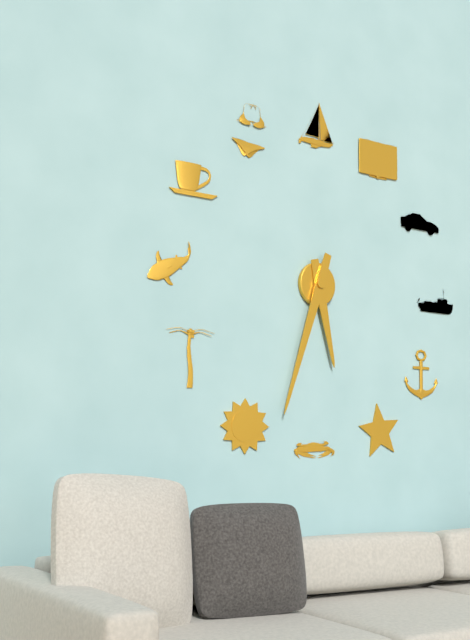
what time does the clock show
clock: 5:33
